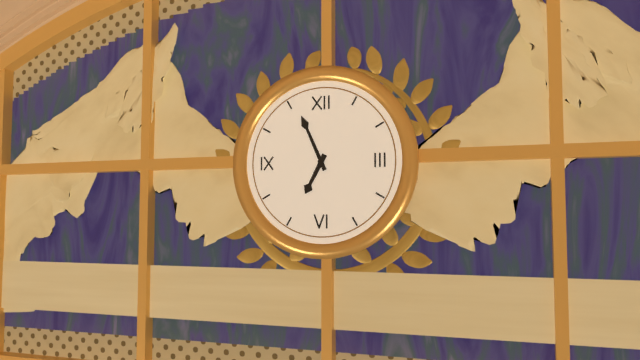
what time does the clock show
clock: 6:56
